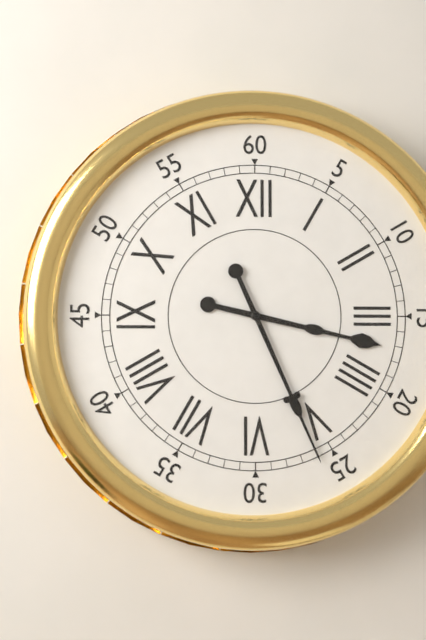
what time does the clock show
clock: 3:26
